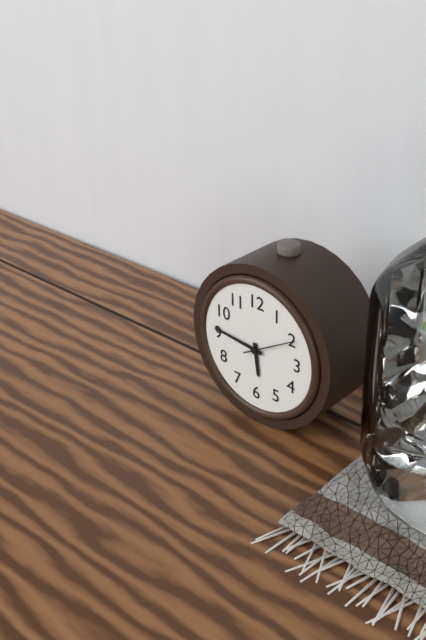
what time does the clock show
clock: 5:46:10
